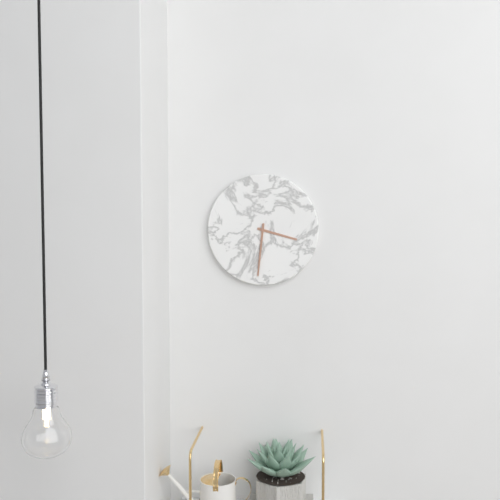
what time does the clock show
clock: 3:31
